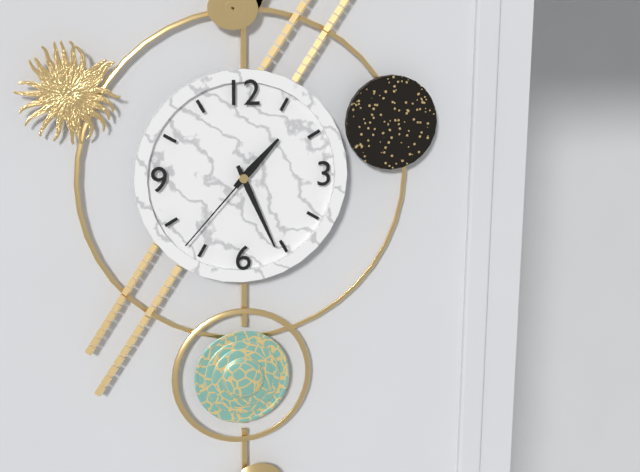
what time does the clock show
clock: 1:26:37
